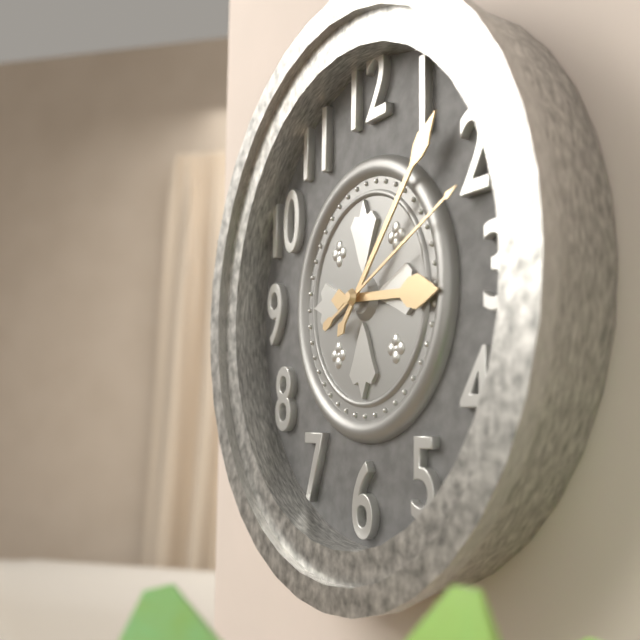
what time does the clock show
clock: 3:07:11
